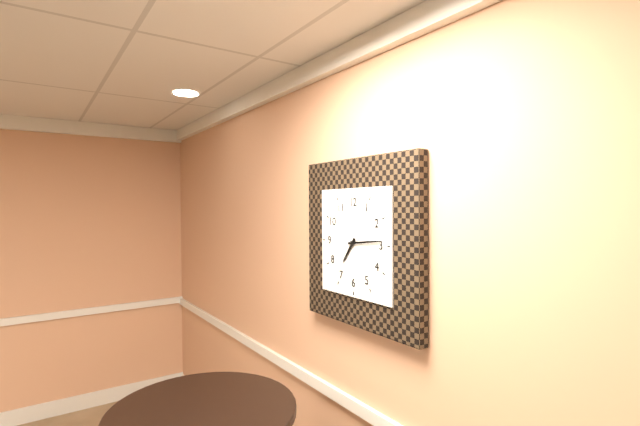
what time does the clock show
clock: 7:14
